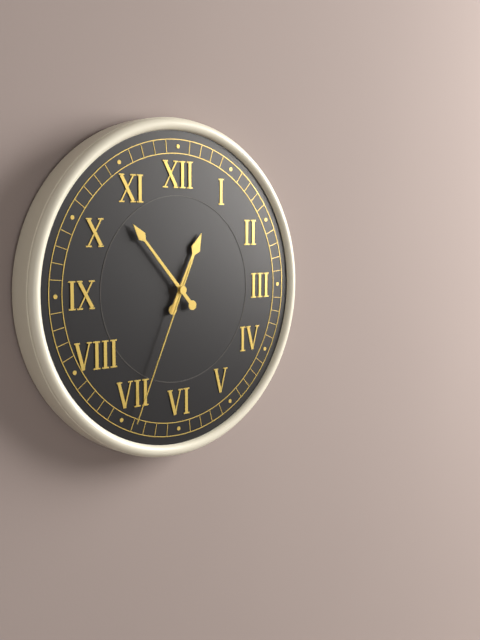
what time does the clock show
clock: 12:53:34
